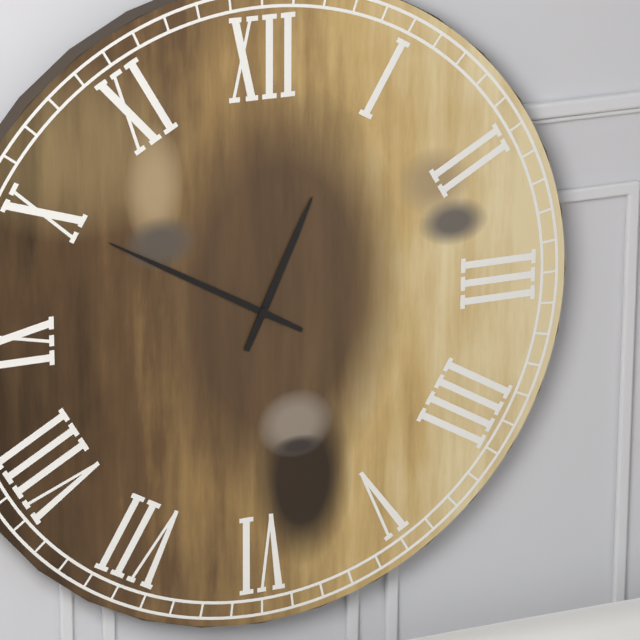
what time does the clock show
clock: 12:50
